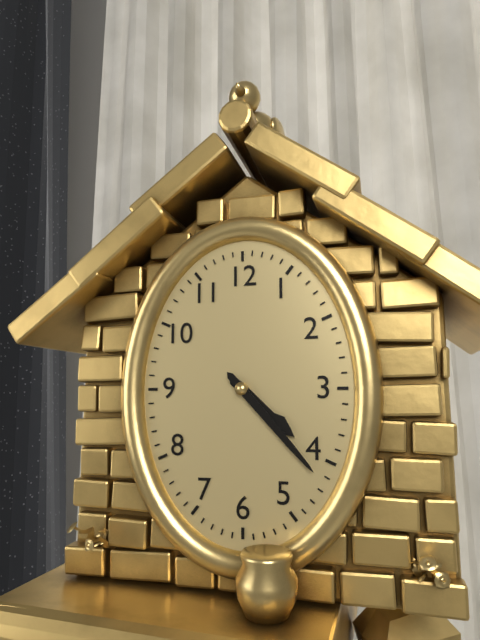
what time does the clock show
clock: 4:23
